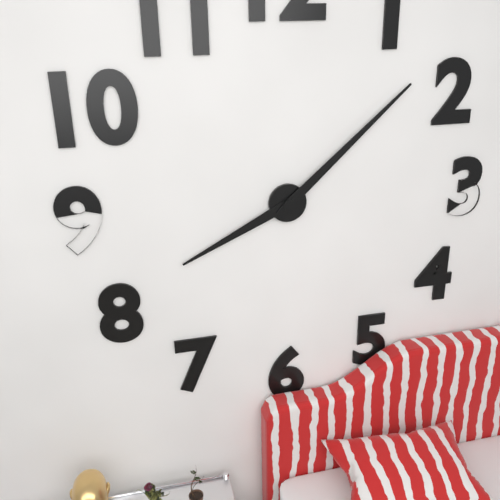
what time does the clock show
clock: 8:08
